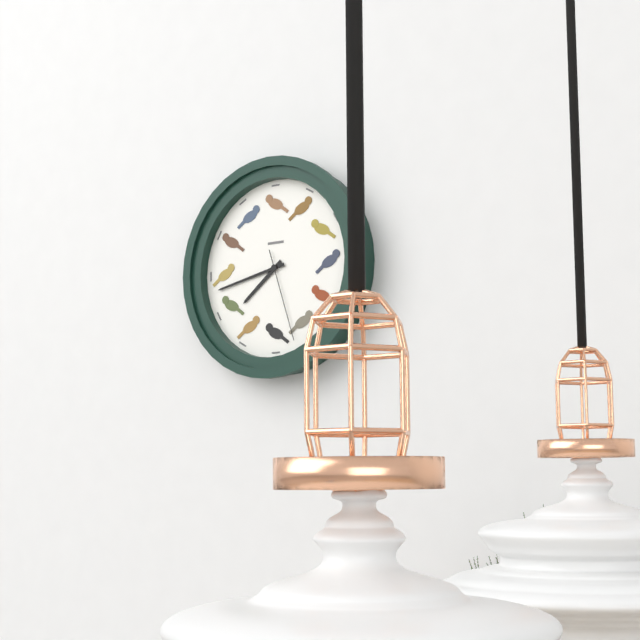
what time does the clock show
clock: 7:43:27
